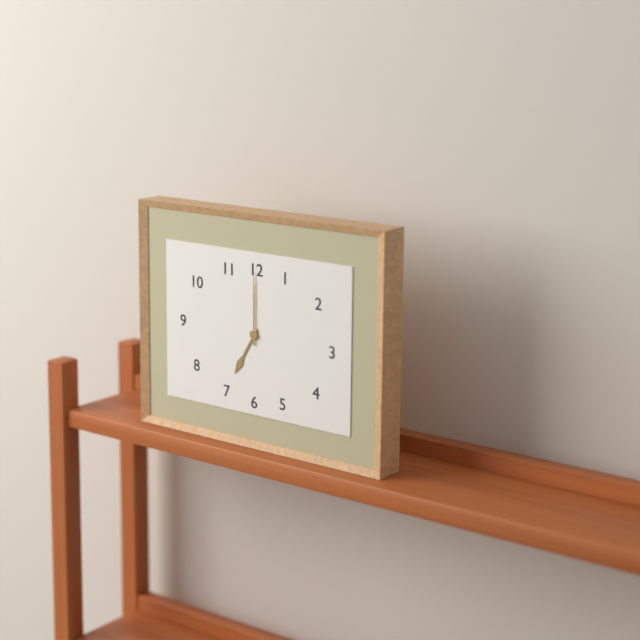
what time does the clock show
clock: 7:00
